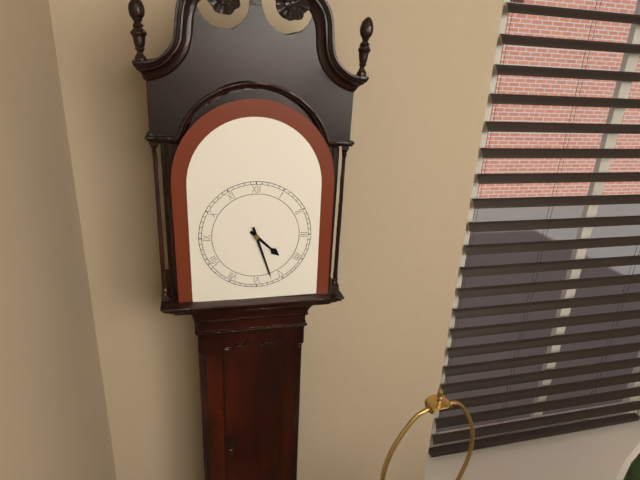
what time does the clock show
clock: 4:27
